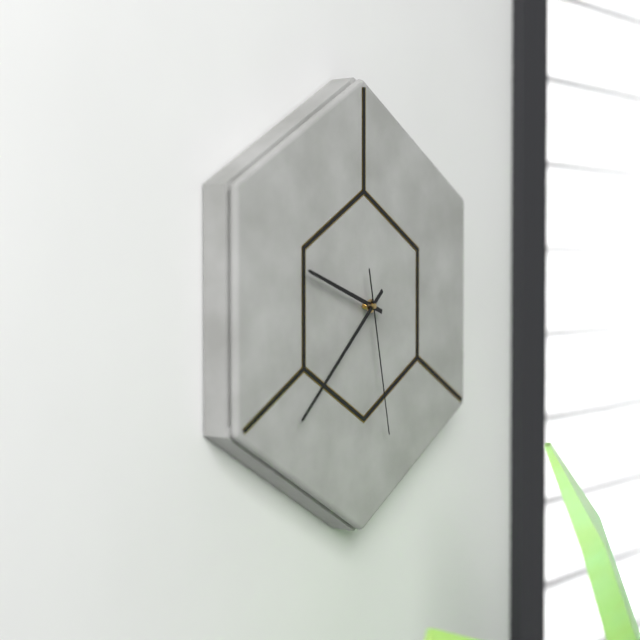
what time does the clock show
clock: 9:38:28
